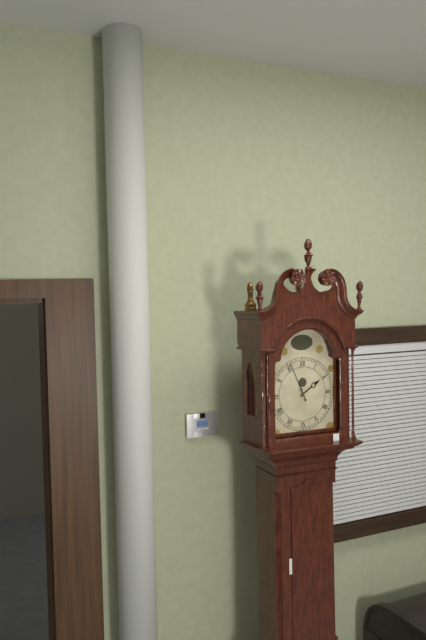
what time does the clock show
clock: 1:56
